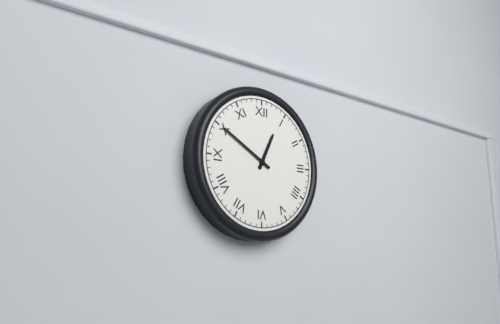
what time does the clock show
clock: 12:50
